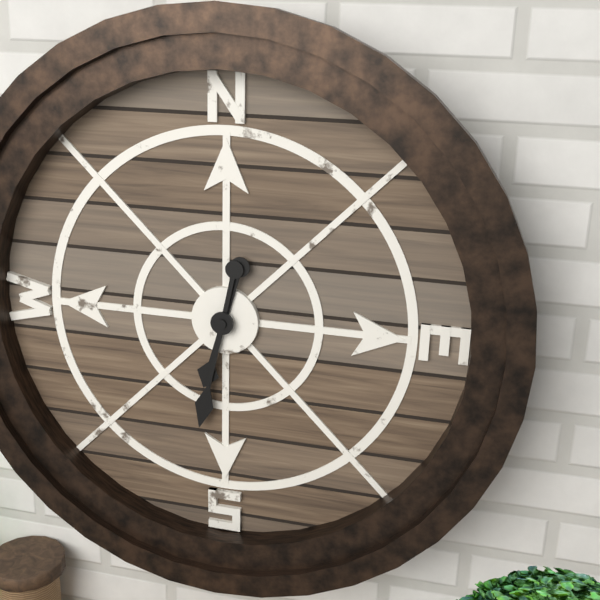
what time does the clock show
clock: 6:32
